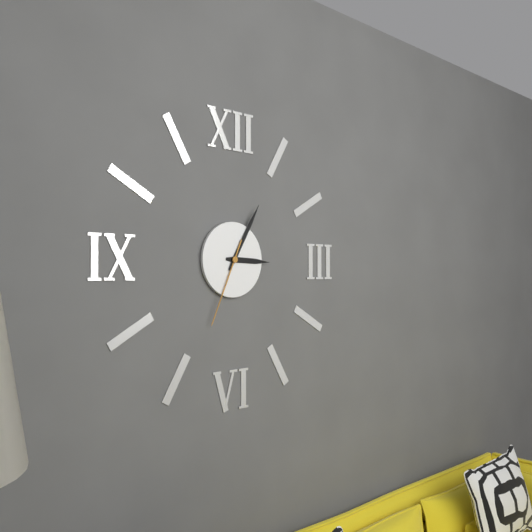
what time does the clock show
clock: 3:05:34
